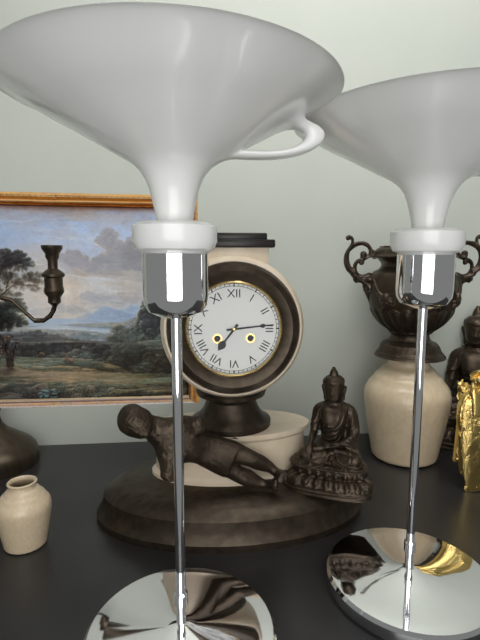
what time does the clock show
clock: 7:14
